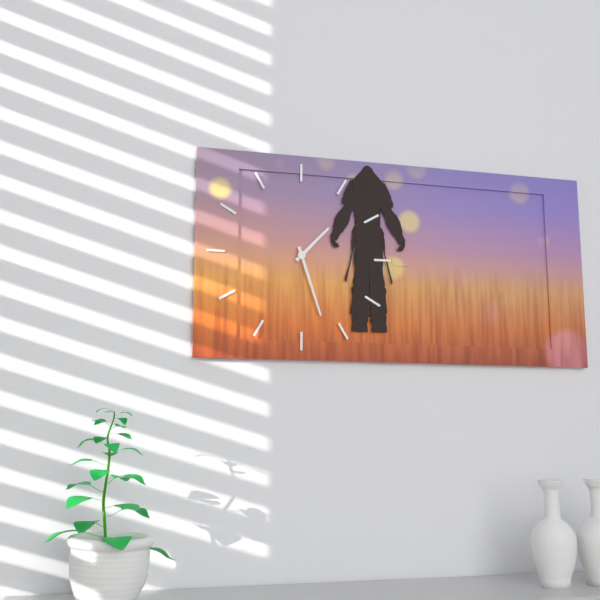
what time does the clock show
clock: 1:27
